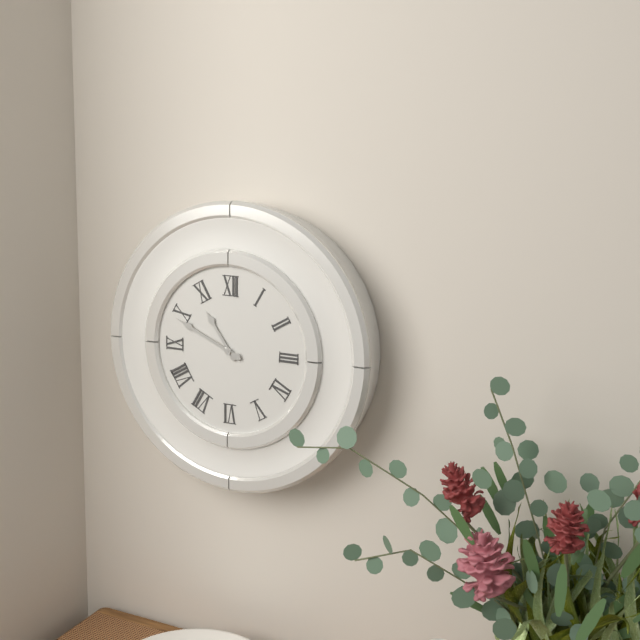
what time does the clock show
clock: 10:49
